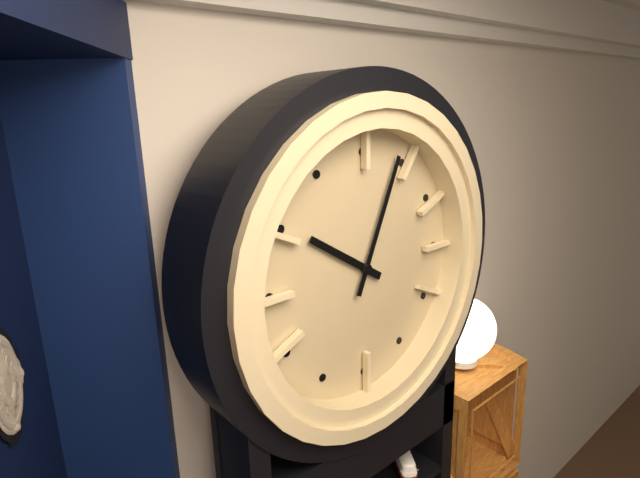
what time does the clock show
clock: 10:04
